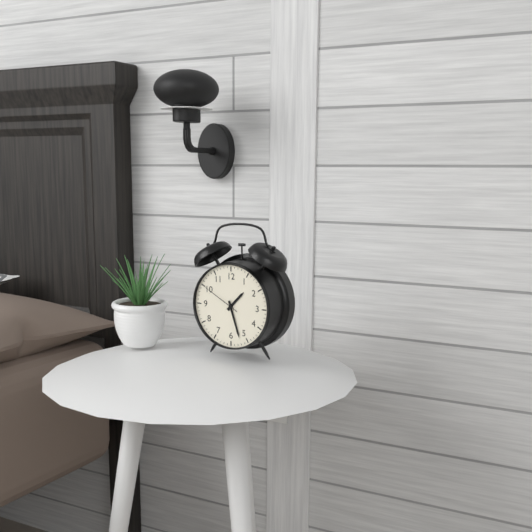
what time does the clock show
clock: 1:27
